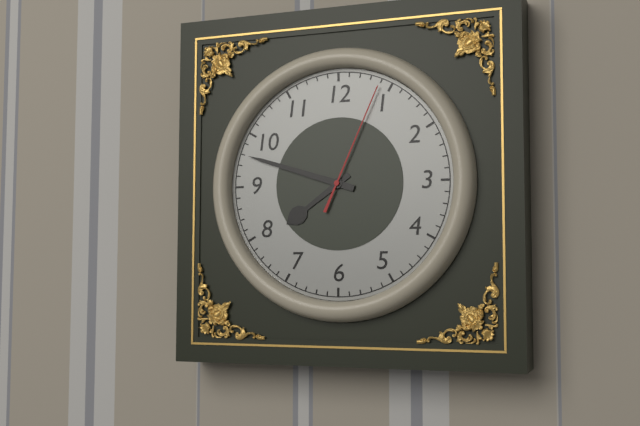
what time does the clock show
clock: 7:48:04
